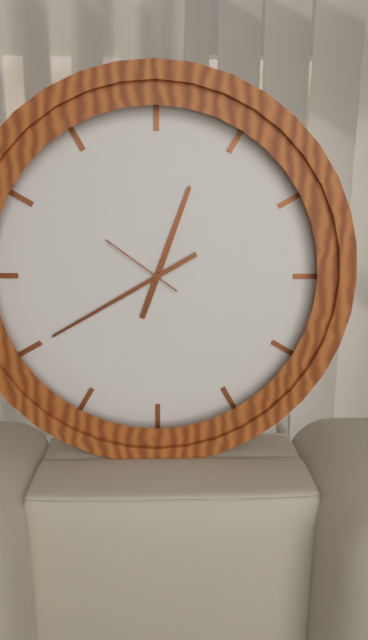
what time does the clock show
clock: 12:40:51
